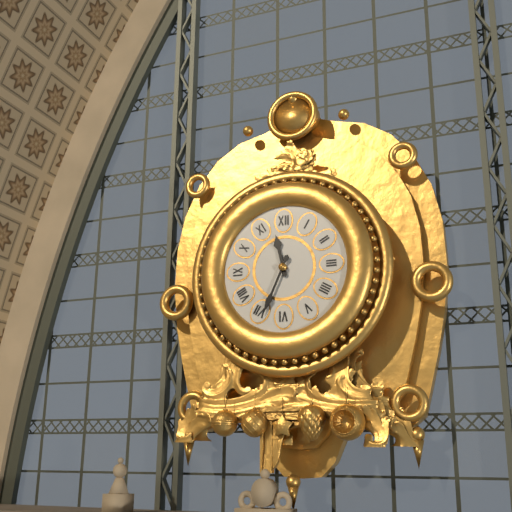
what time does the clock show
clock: 11:34
